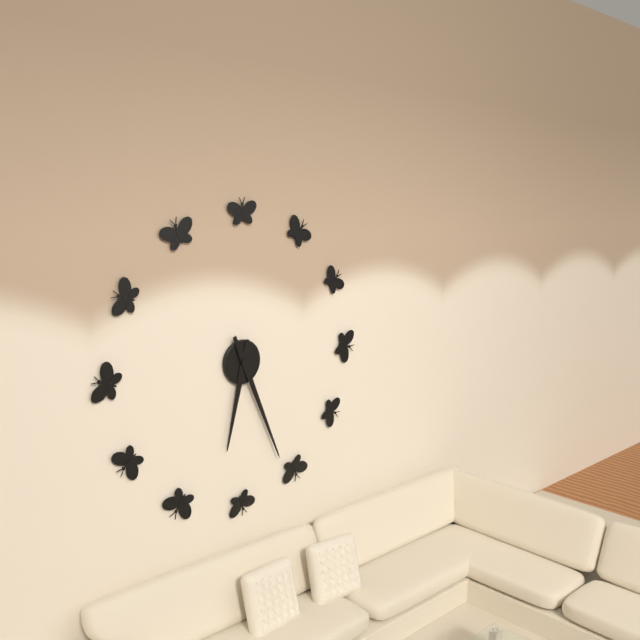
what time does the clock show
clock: 6:26
